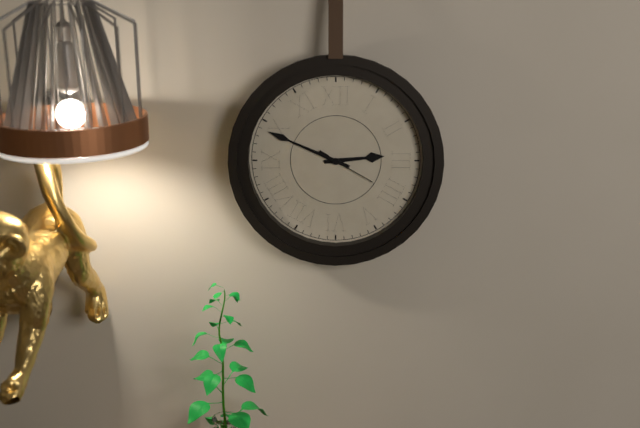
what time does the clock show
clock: 2:49:20
